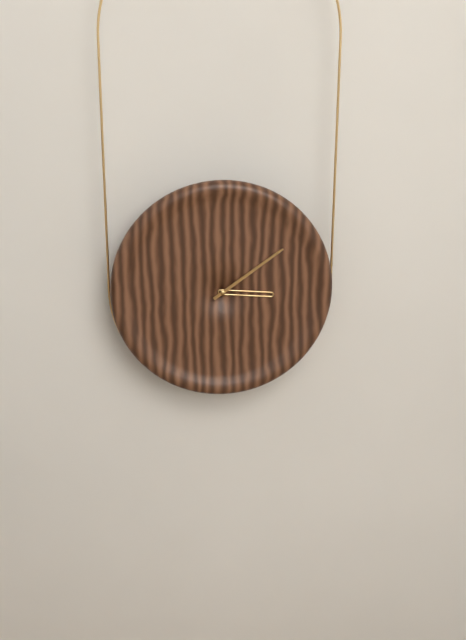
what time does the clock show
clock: 3:09
